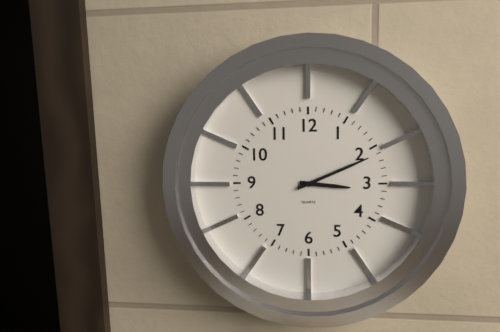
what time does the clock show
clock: 3:11
